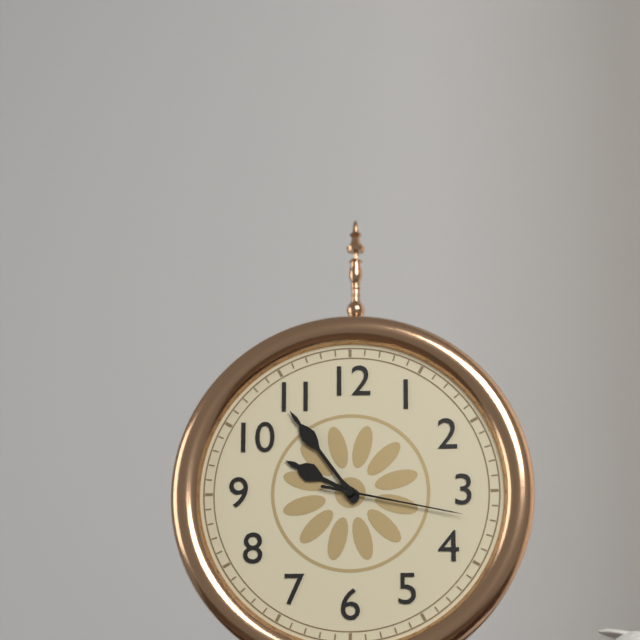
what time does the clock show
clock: 9:54:17
